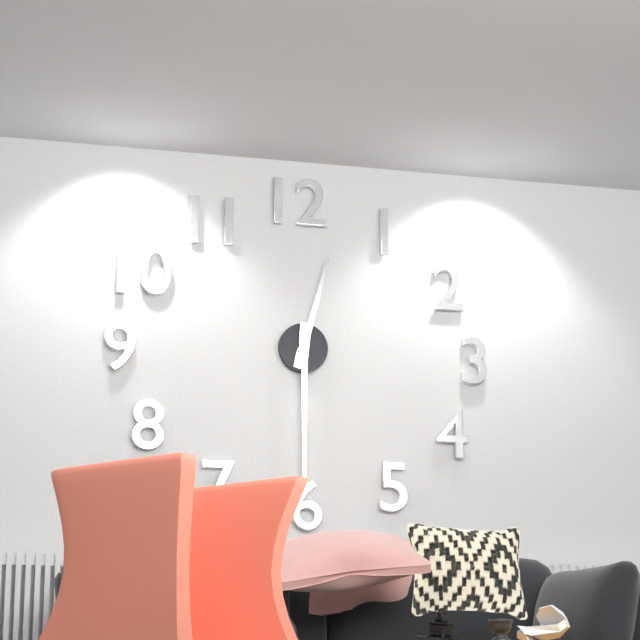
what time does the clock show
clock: 12:30
